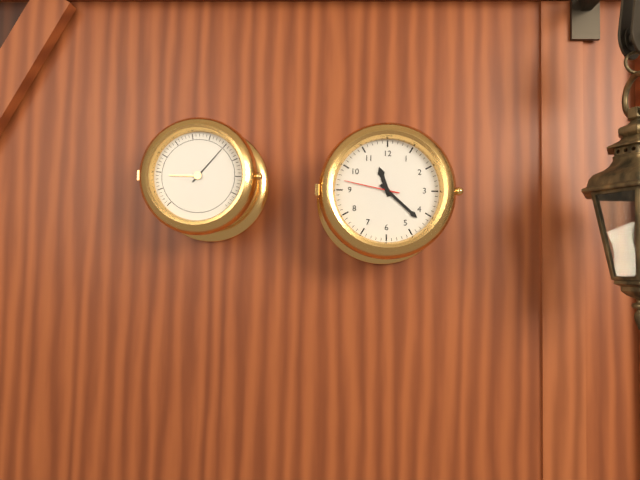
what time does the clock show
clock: 11:22:47
